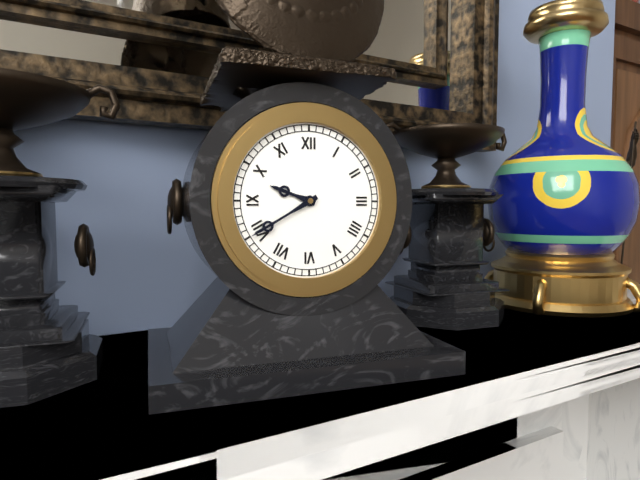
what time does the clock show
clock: 9:40
